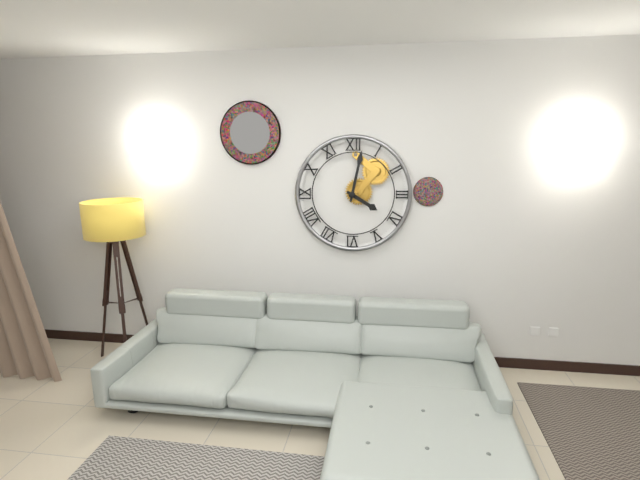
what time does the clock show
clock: 4:02
